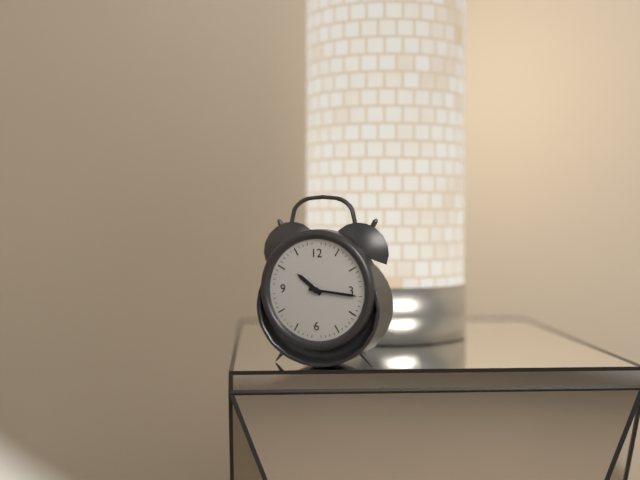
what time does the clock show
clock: 10:16
